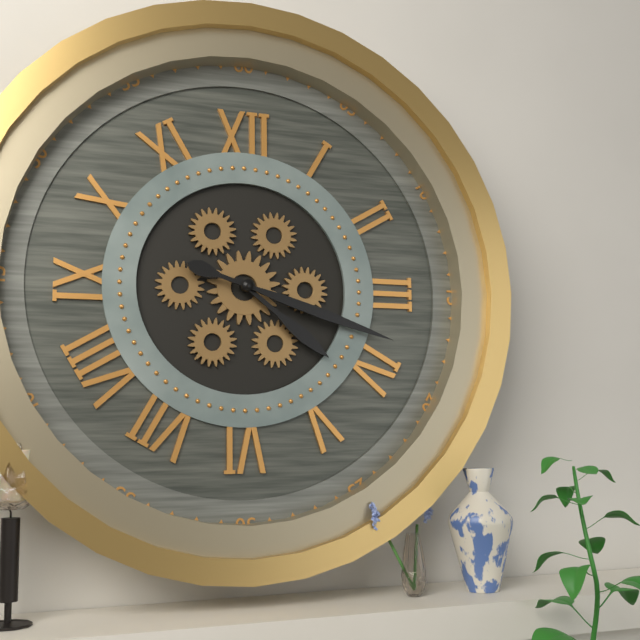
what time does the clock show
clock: 4:18
